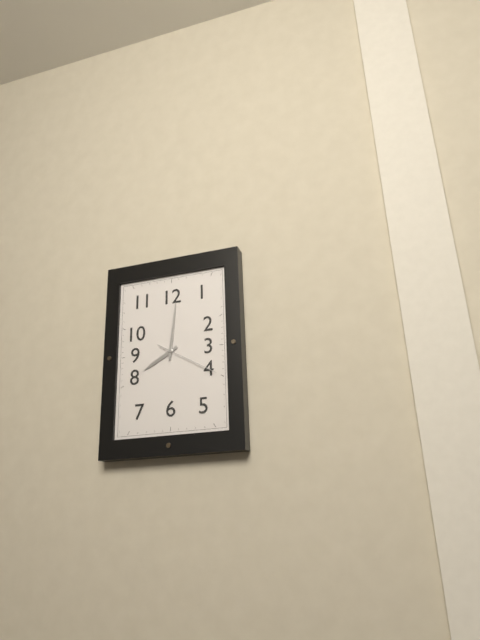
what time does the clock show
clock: 8:01:20
